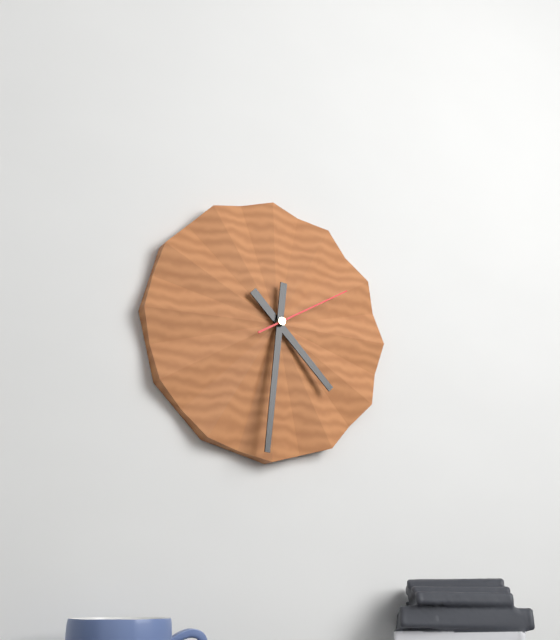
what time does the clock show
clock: 4:31:10
